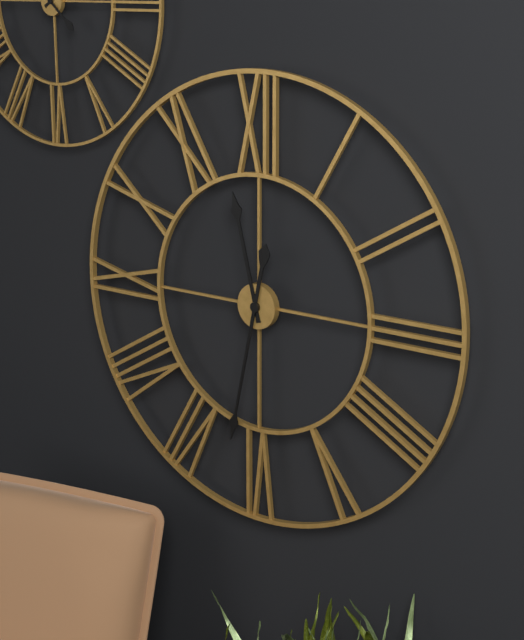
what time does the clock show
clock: 11:32
